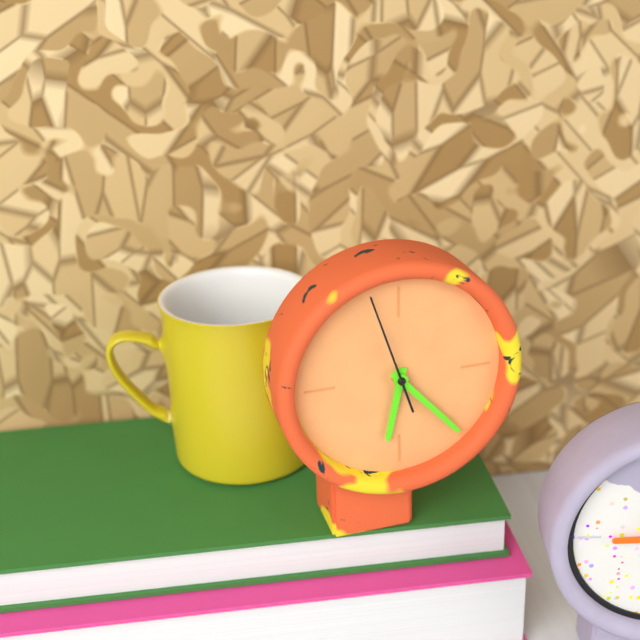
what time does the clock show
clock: 6:23:57
